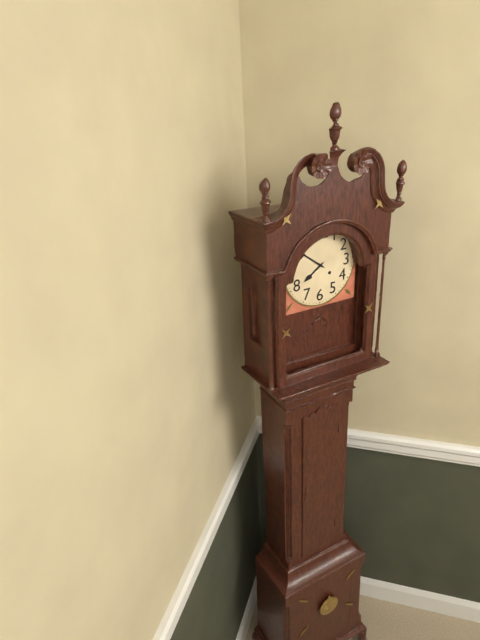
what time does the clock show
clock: 7:51
